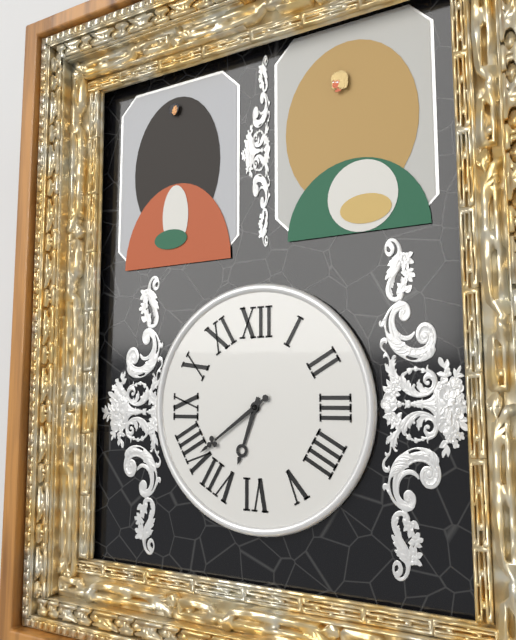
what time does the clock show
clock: 6:39
